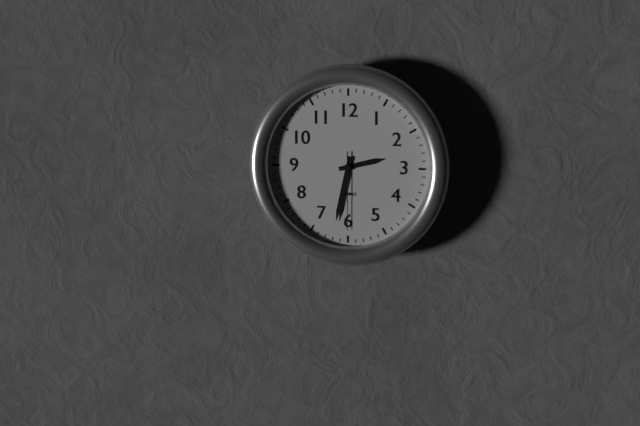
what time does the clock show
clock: 2:32:30
